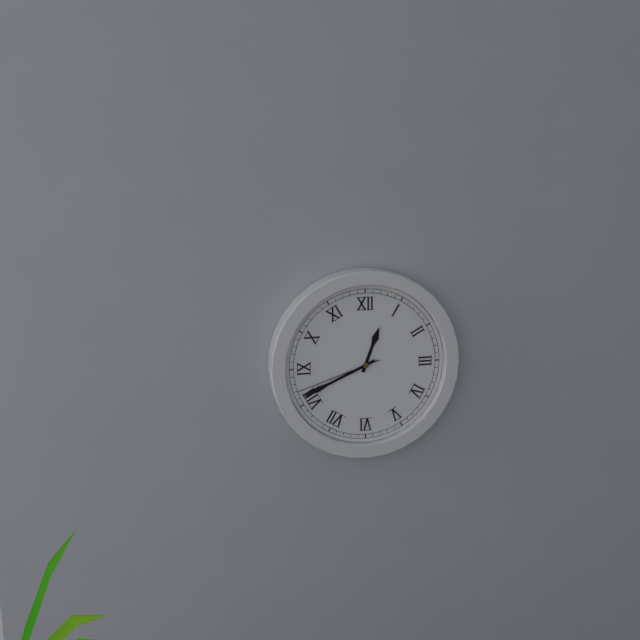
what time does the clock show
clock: 12:41:42
